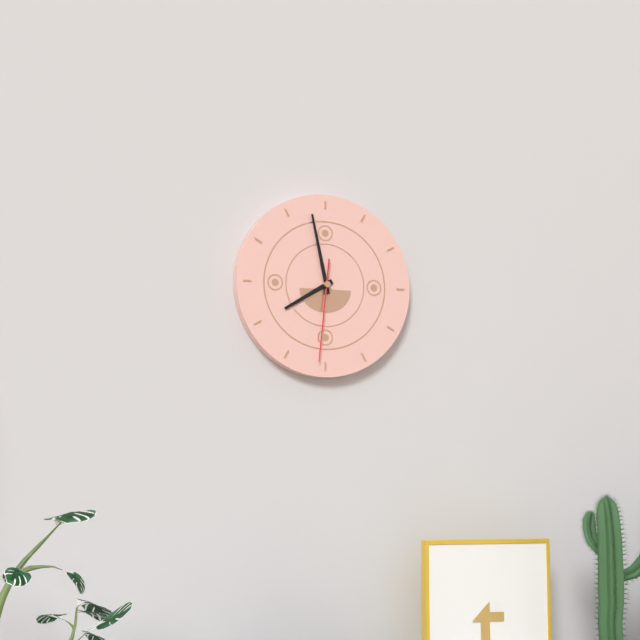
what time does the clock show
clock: 7:58:31
